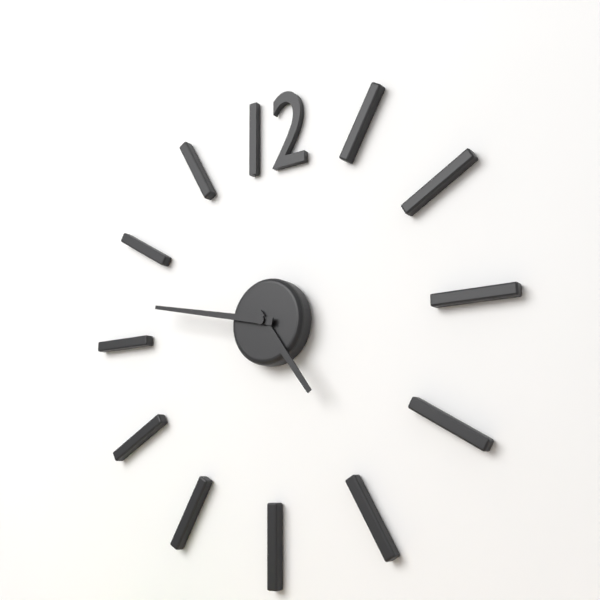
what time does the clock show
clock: 4:47
